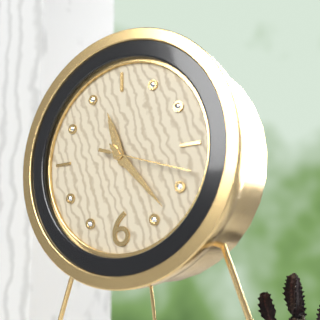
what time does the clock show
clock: 11:23:18
